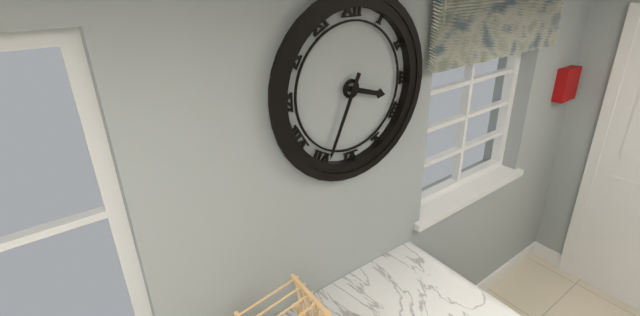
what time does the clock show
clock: 3:34
